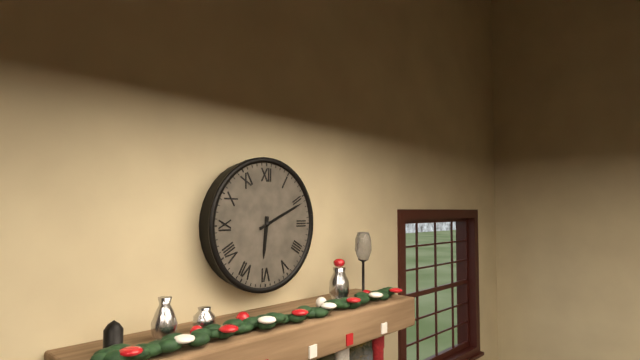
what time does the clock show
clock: 6:11
